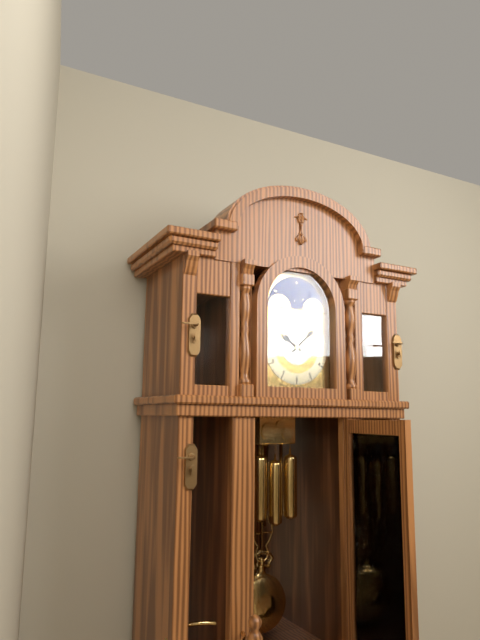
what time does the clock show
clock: 10:08
